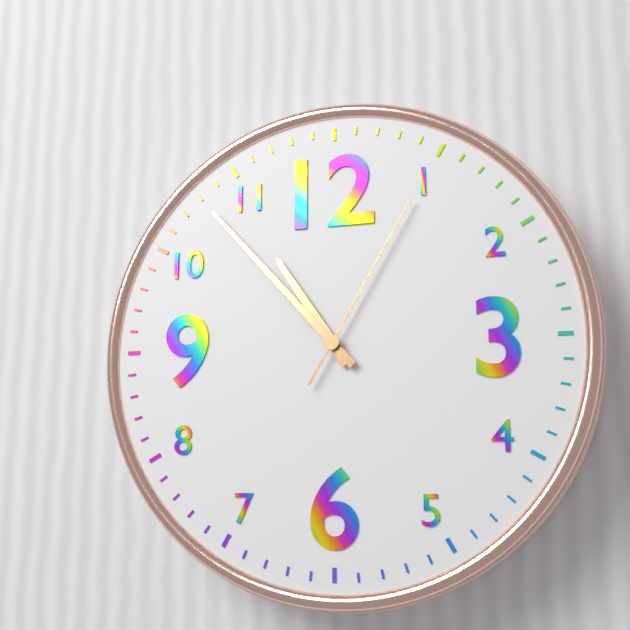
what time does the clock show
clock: 10:53:05
